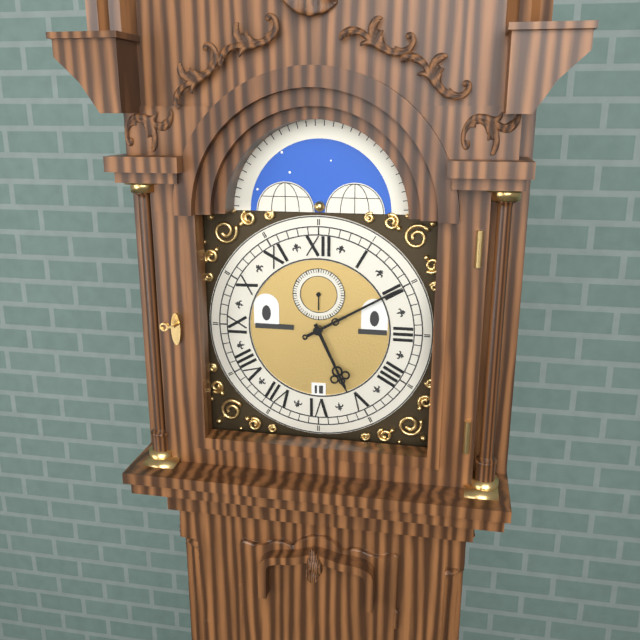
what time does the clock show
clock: 5:10
